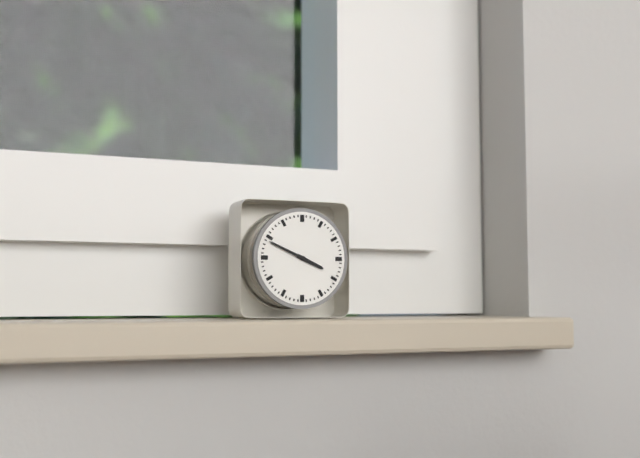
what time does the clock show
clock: 3:49
